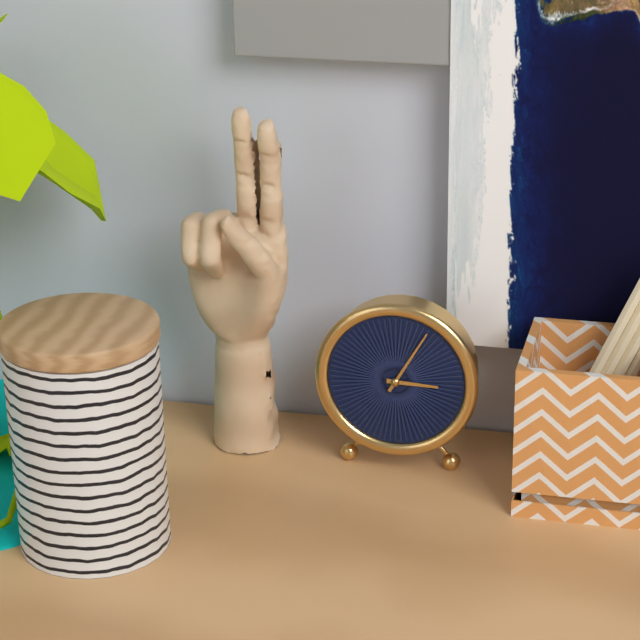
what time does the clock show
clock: 3:05
